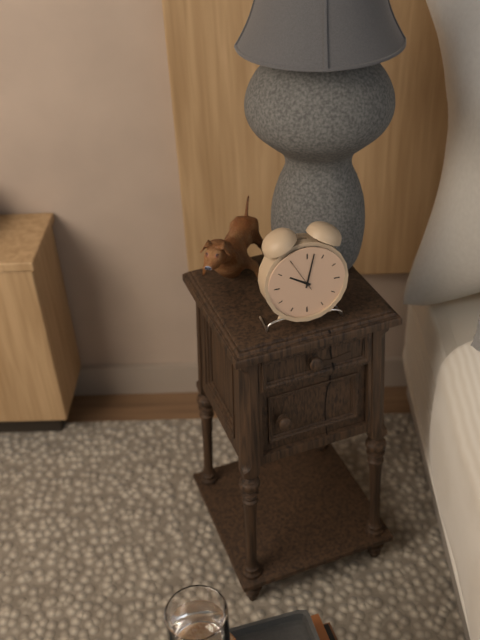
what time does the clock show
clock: 10:02
